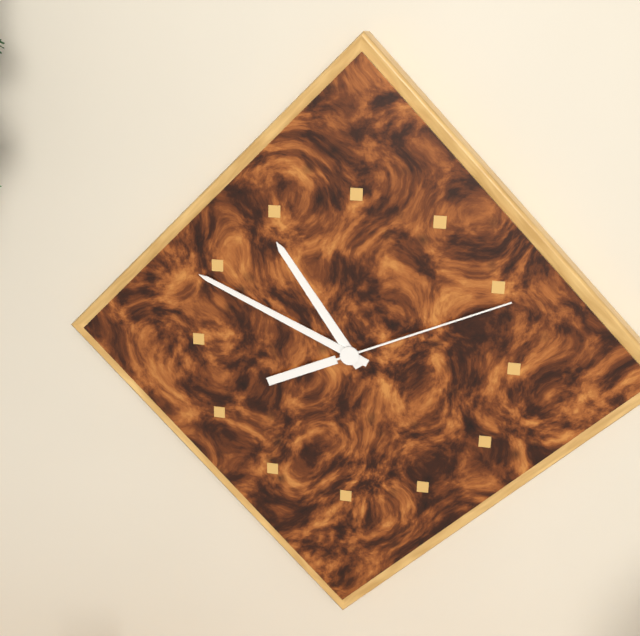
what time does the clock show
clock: 10:49:11
